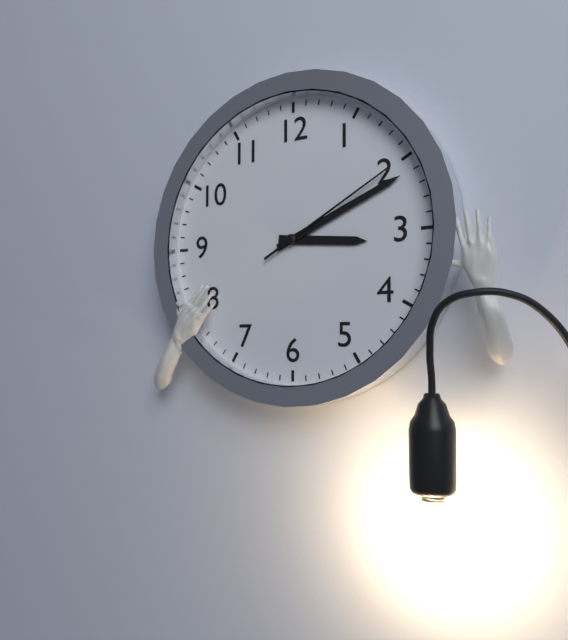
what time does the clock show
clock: 3:11:10
